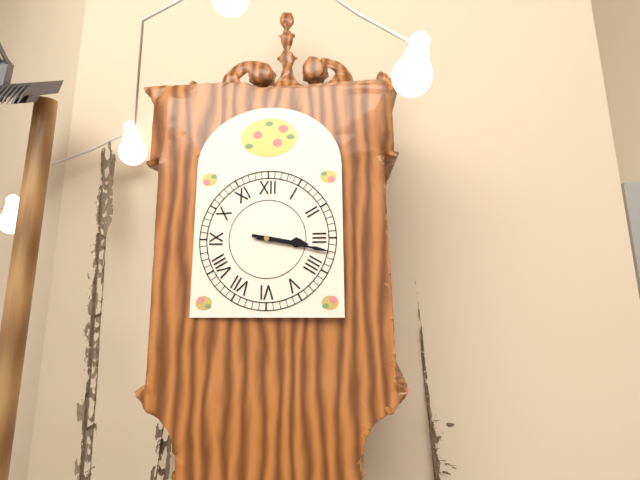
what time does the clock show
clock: 3:17
